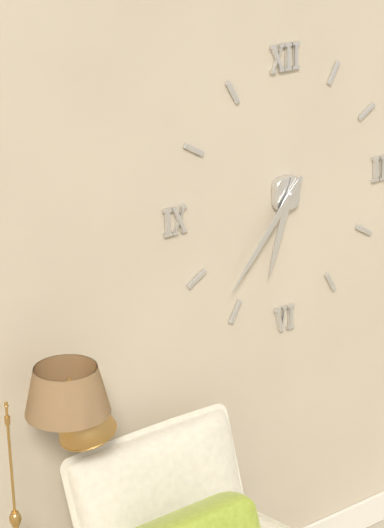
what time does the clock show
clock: 6:37
